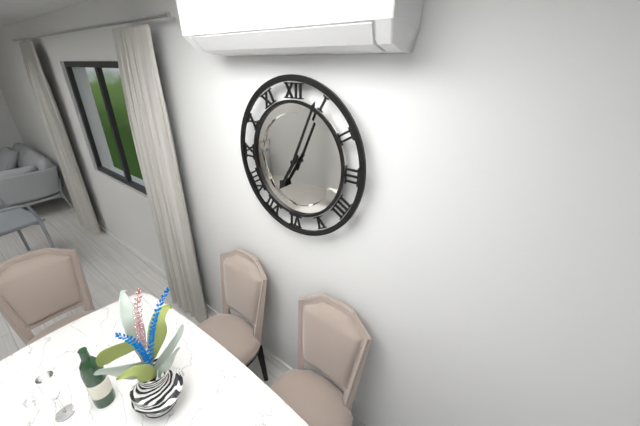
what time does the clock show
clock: 7:04
